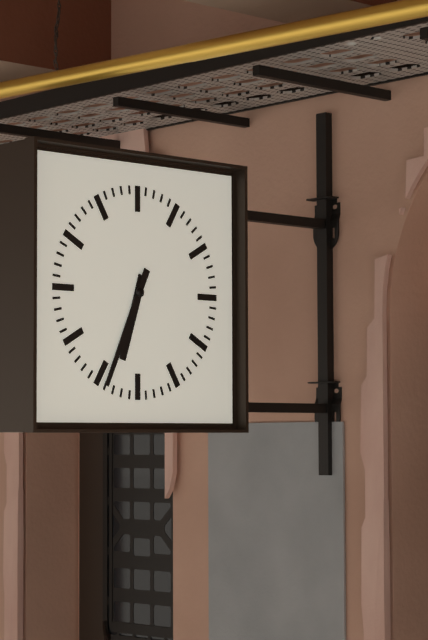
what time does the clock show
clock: 6:34
